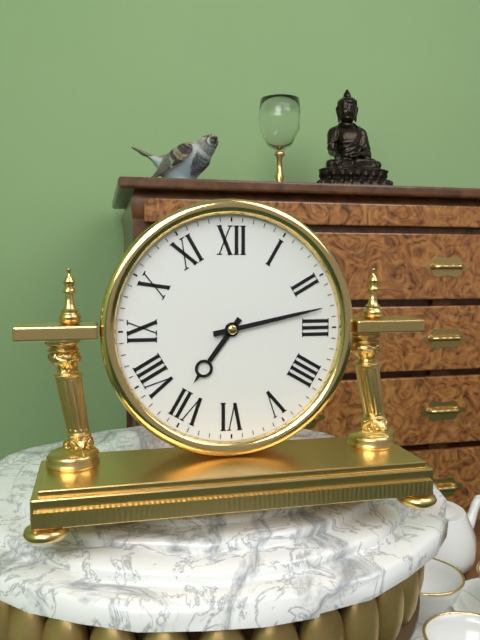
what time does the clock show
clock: 7:13
